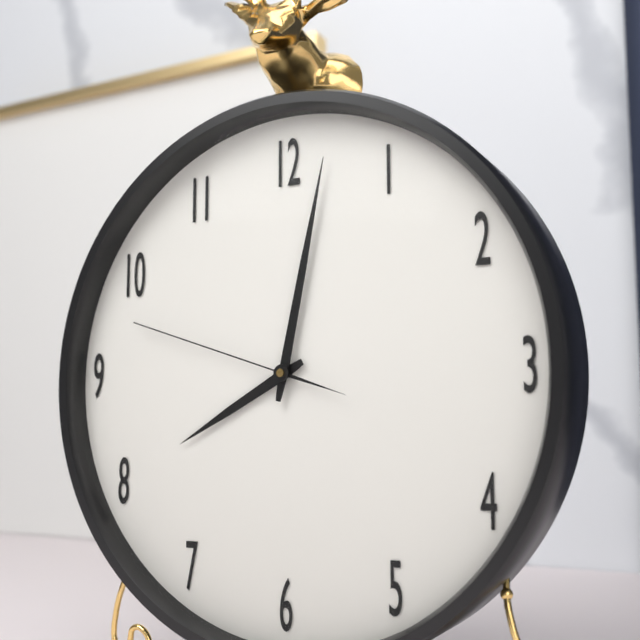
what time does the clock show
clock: 8:02:48
